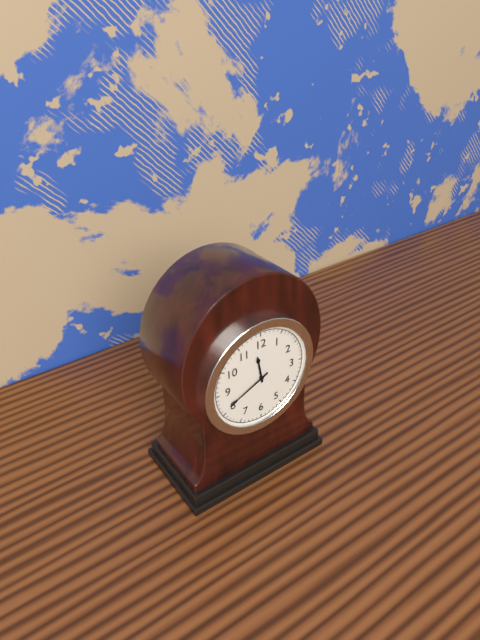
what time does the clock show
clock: 11:41
